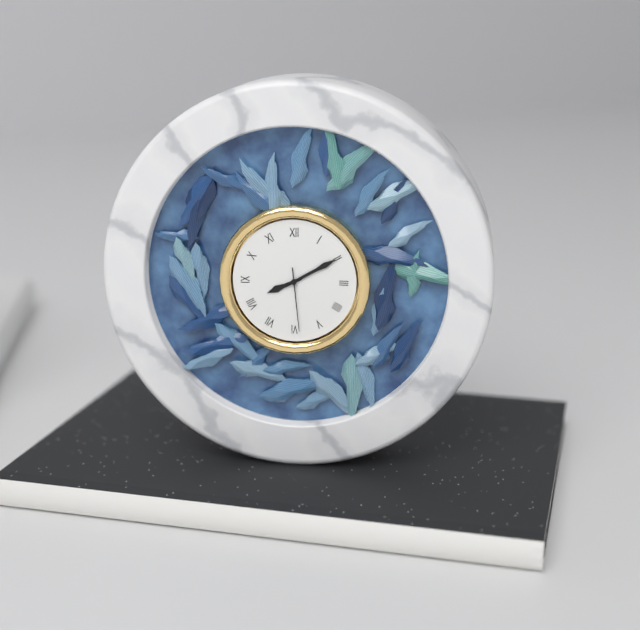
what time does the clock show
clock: 8:10:29
